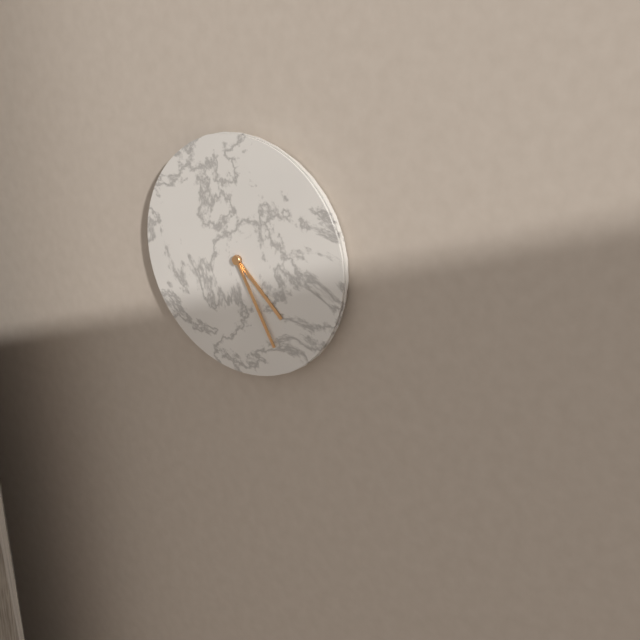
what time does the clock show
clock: 4:25
